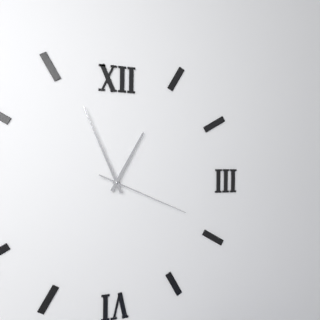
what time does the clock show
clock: 12:56:19
